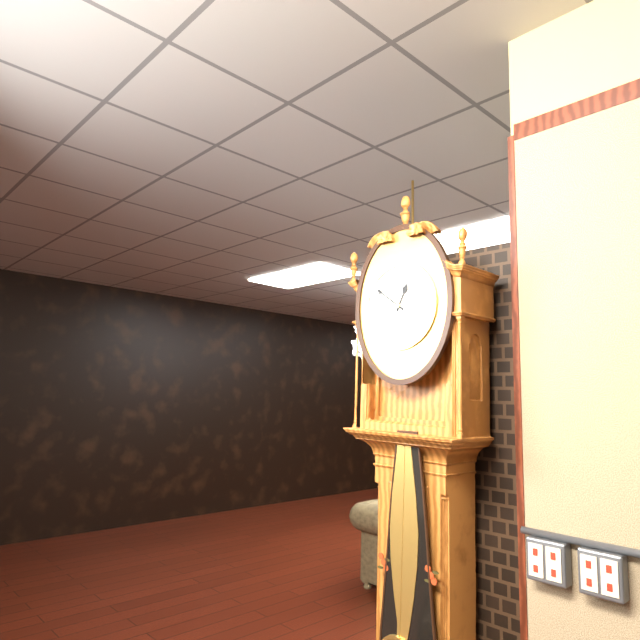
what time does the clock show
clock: 12:51
